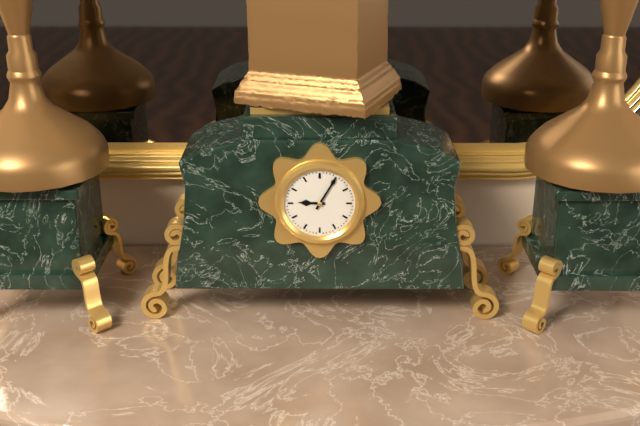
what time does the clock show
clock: 9:05
